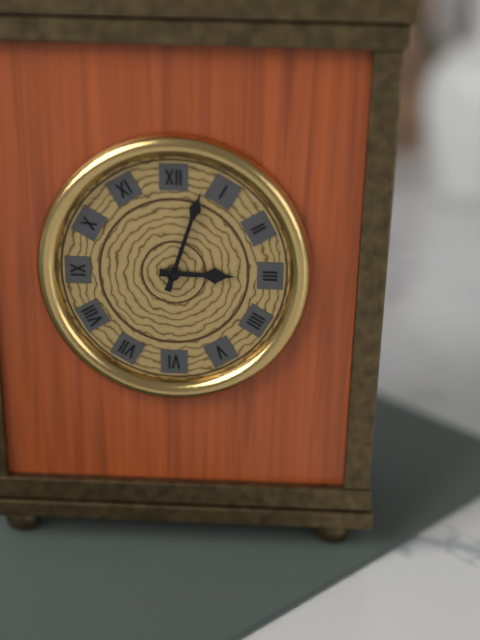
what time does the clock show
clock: 3:03
